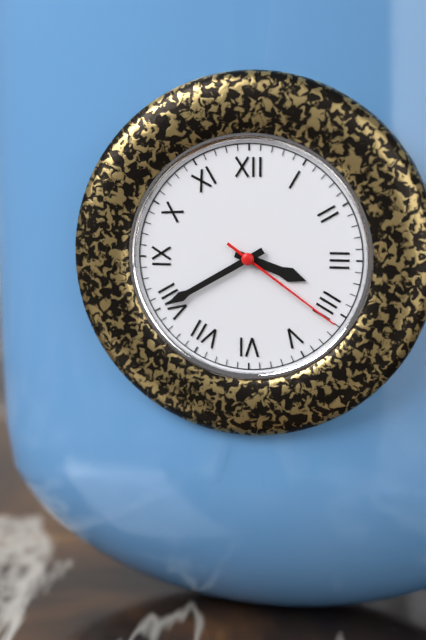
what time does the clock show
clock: 3:40:21
